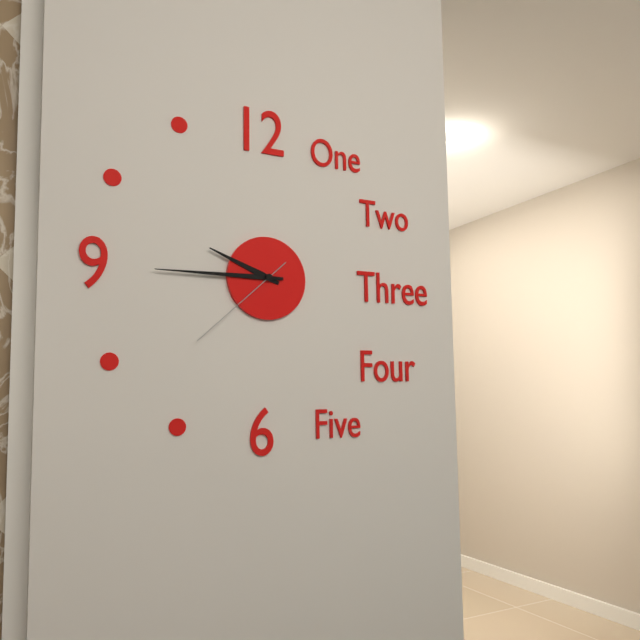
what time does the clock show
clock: 9:45:38
